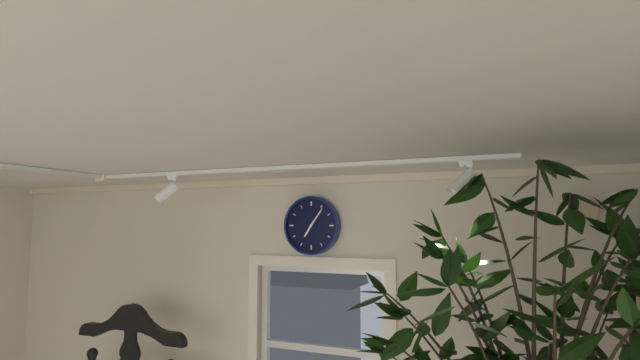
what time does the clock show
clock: 7:06
